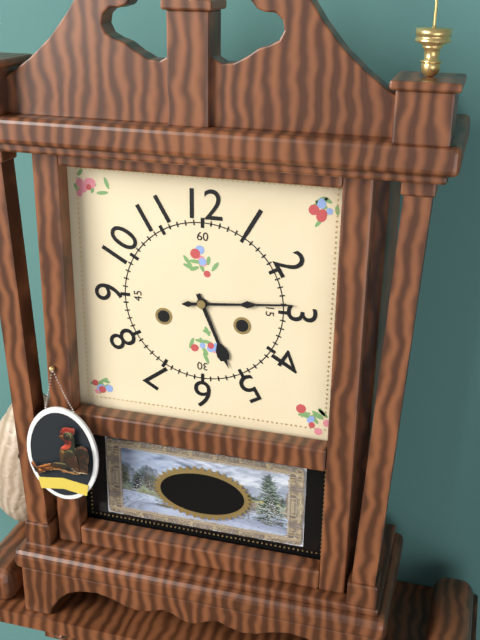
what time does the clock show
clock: 5:14
